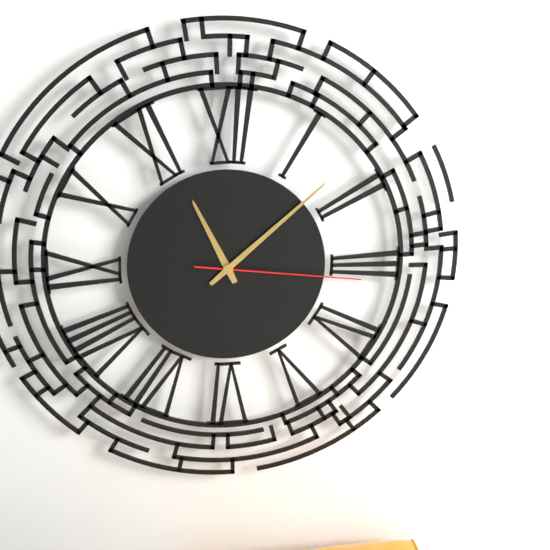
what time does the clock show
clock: 11:08:16
